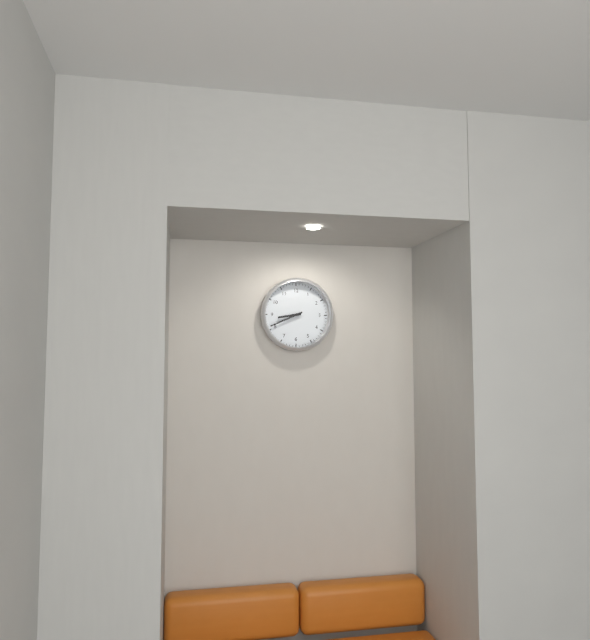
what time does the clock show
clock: 8:41
